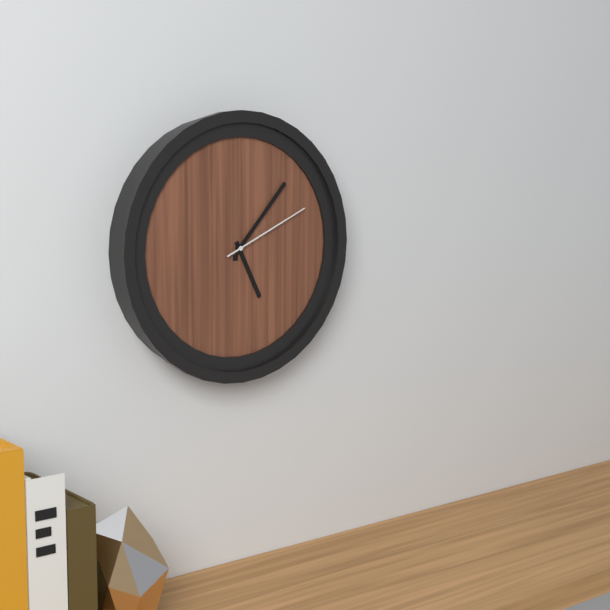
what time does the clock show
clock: 5:07:11
